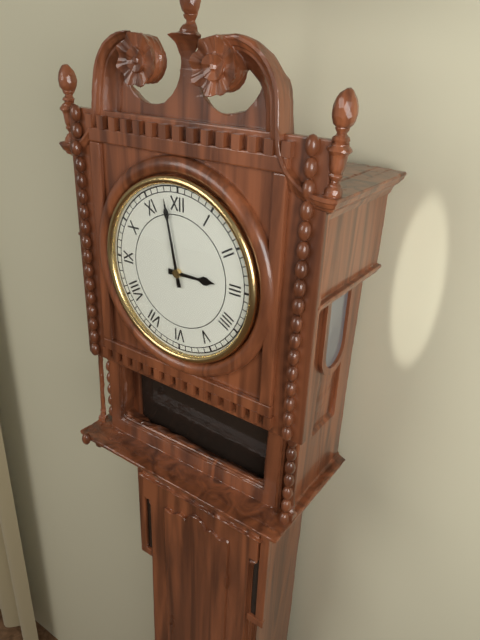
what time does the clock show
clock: 2:58
